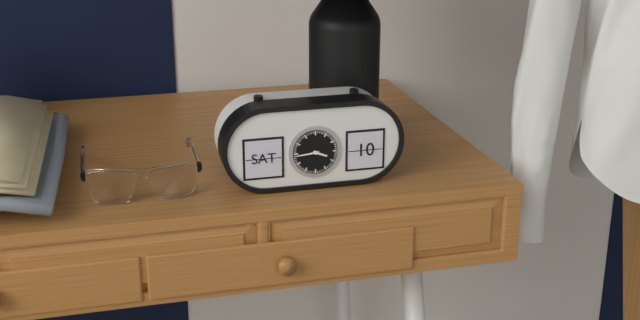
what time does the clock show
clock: 3:44
